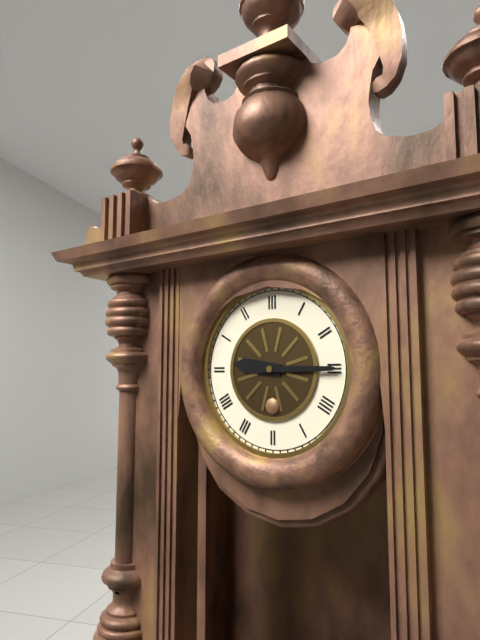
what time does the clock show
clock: 9:15
